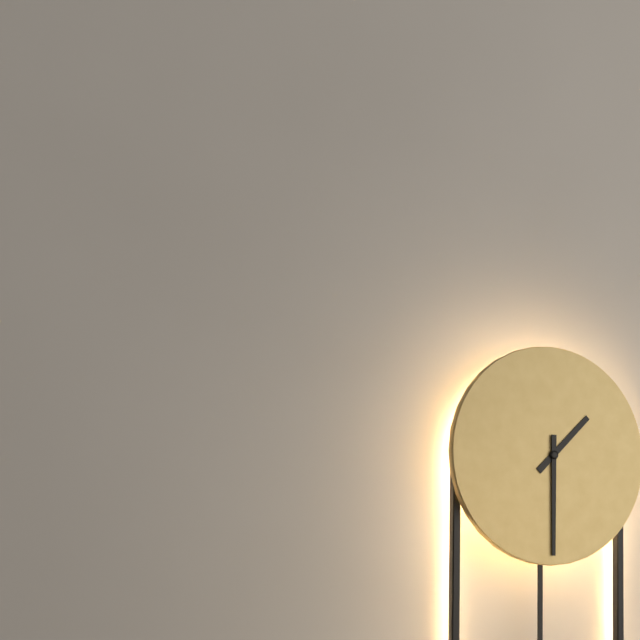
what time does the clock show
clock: 1:30
